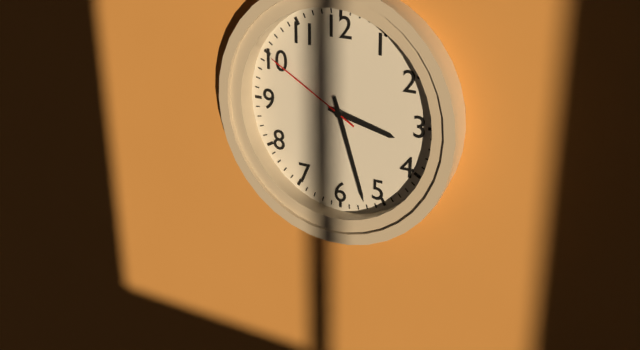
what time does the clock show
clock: 3:27:50
